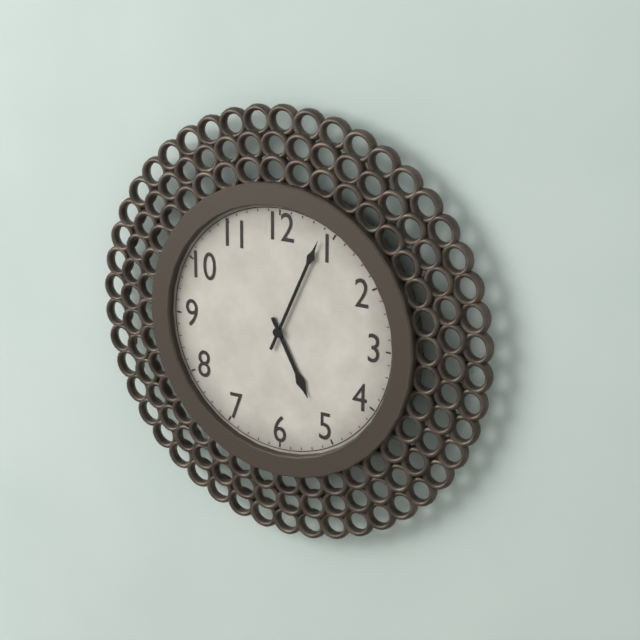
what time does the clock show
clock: 5:04
